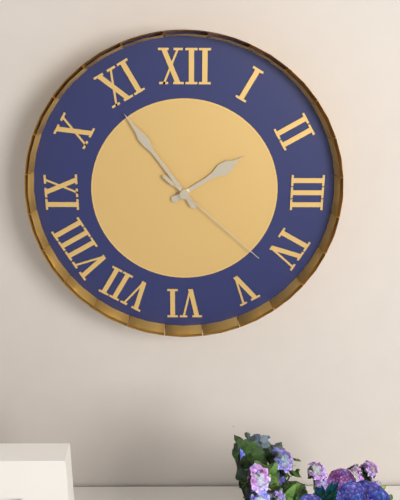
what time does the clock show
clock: 1:54:22
